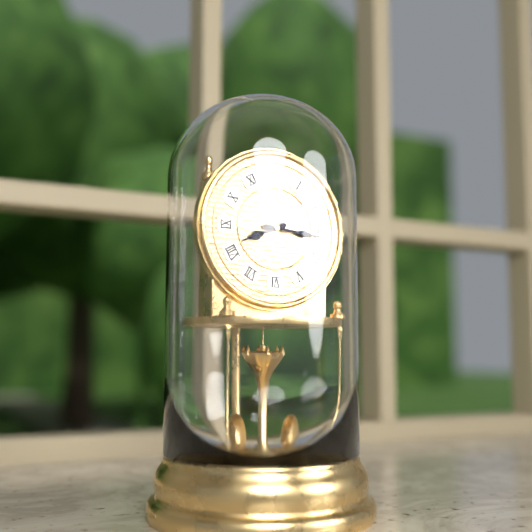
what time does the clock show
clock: 8:16
